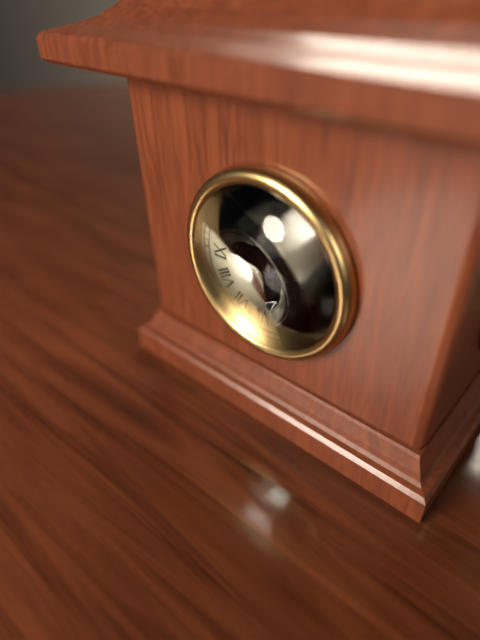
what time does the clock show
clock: 5:11:48
